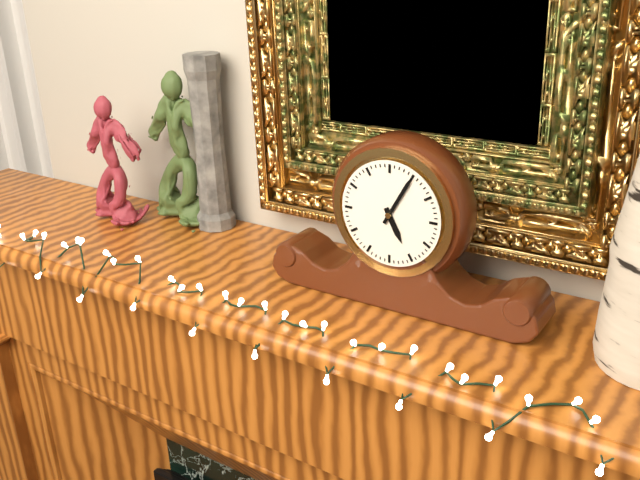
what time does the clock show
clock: 5:05
